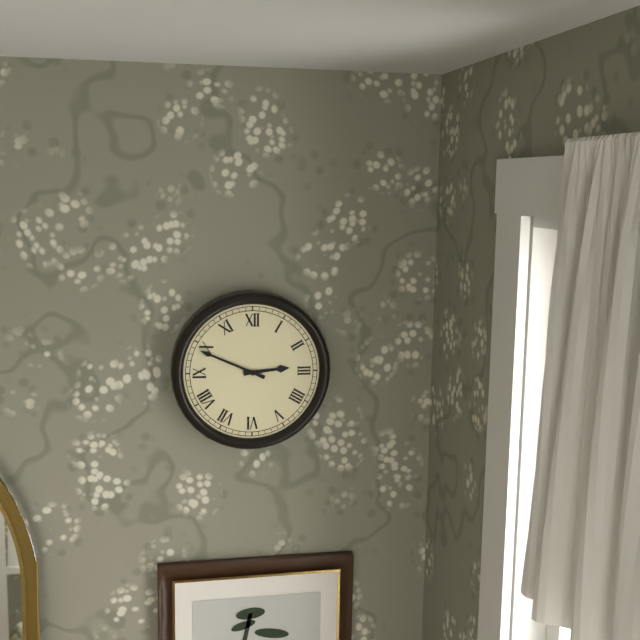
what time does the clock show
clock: 2:49
